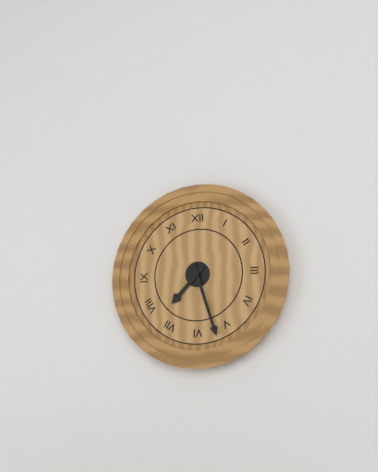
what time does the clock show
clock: 7:27
